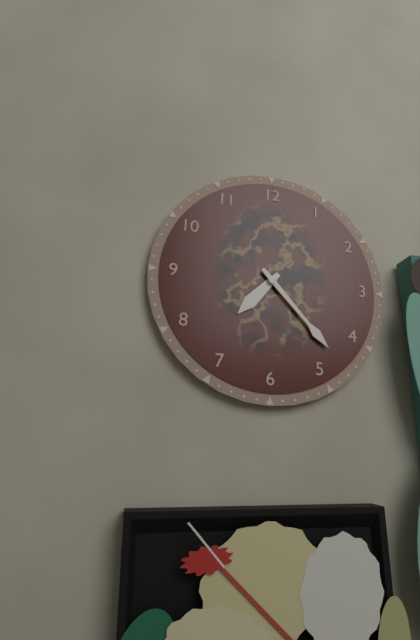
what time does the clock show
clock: 7:23
